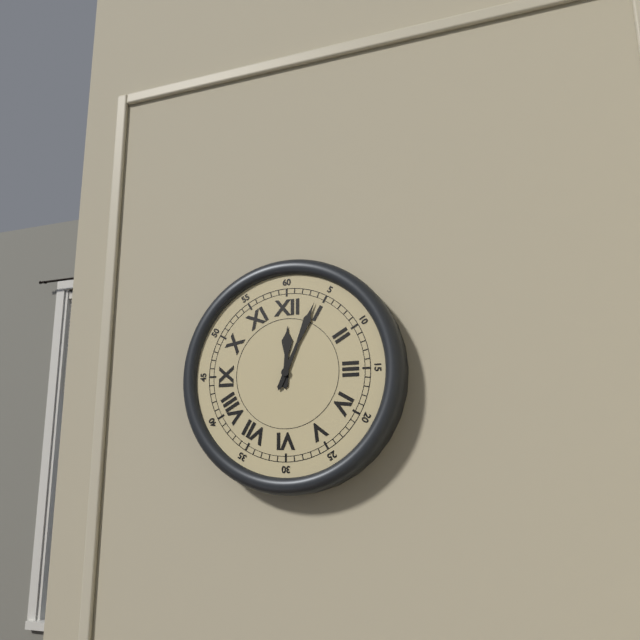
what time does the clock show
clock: 12:04
